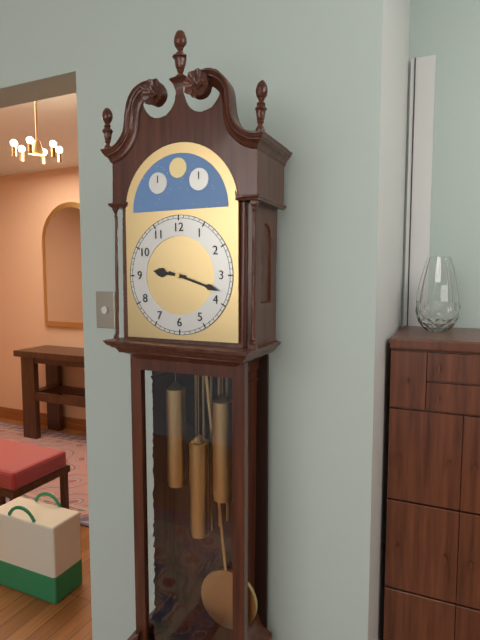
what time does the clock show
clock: 9:18
